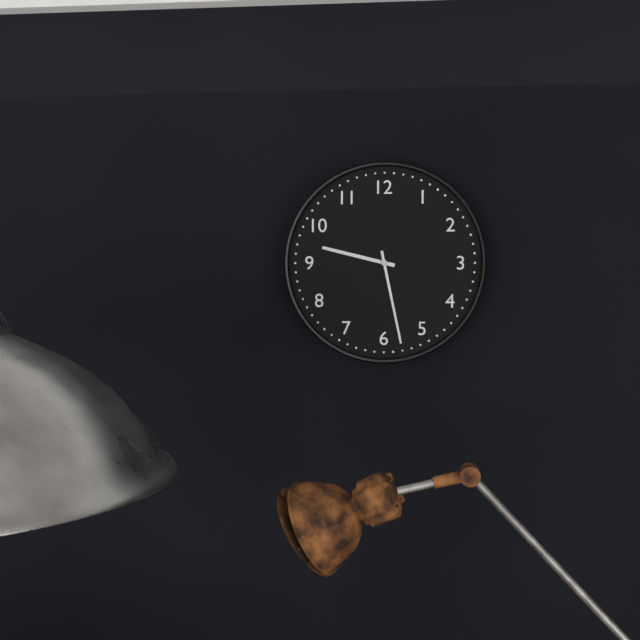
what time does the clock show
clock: 9:28
